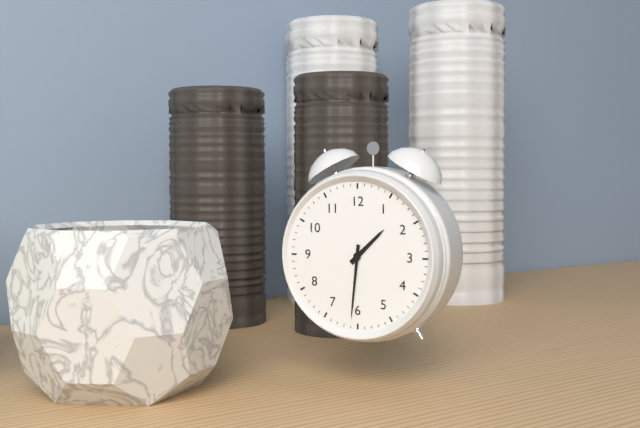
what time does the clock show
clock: 1:31
